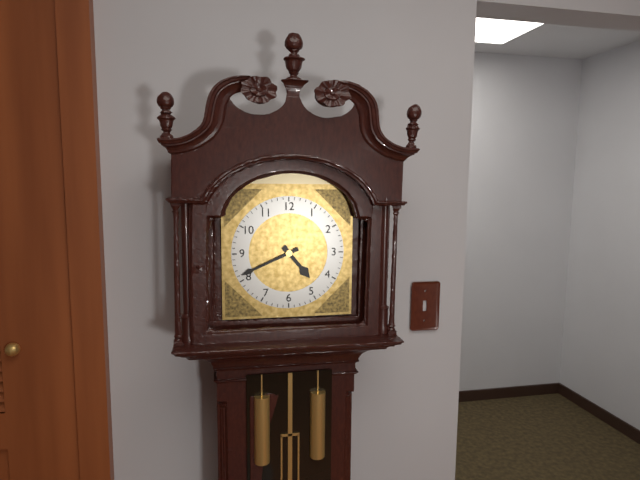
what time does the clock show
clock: 4:41
